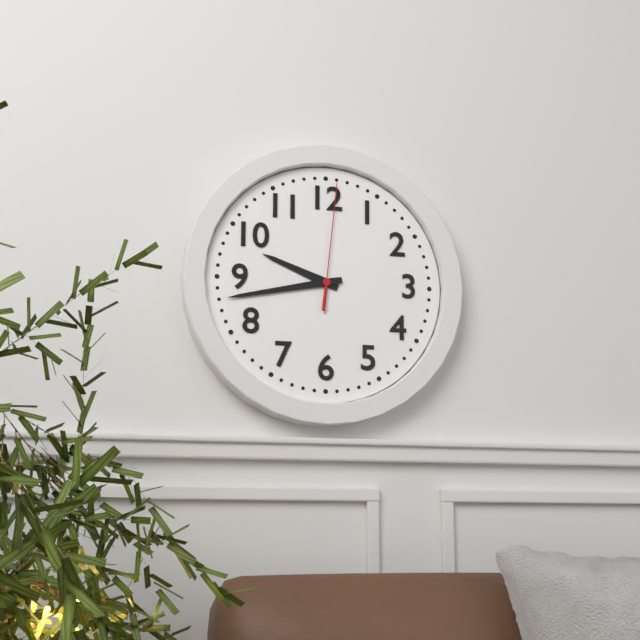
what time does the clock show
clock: 9:43:01
